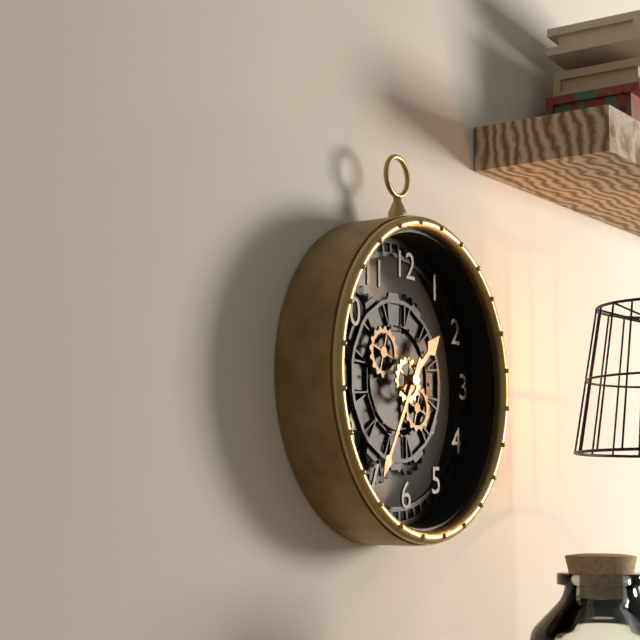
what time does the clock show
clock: 1:35
